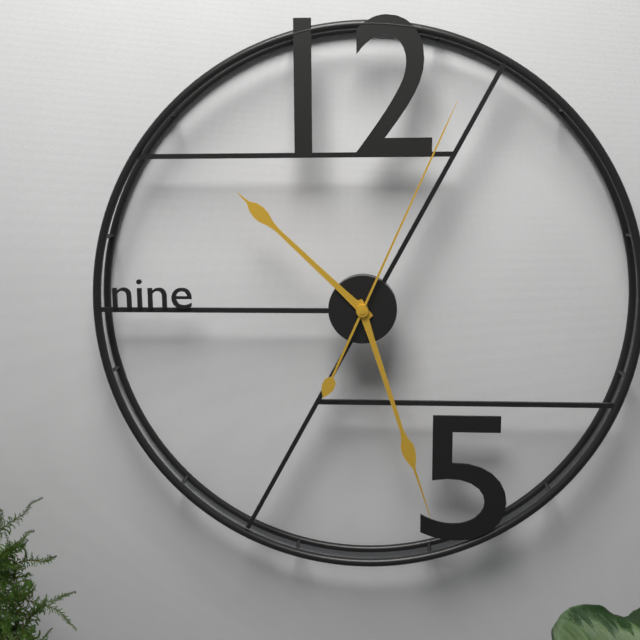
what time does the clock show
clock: 10:27:04
